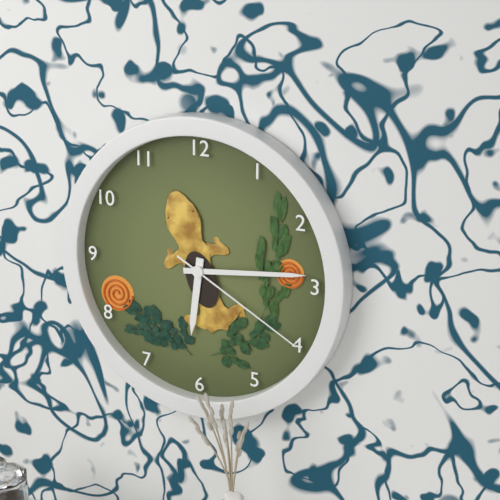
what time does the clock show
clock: 6:14:20
